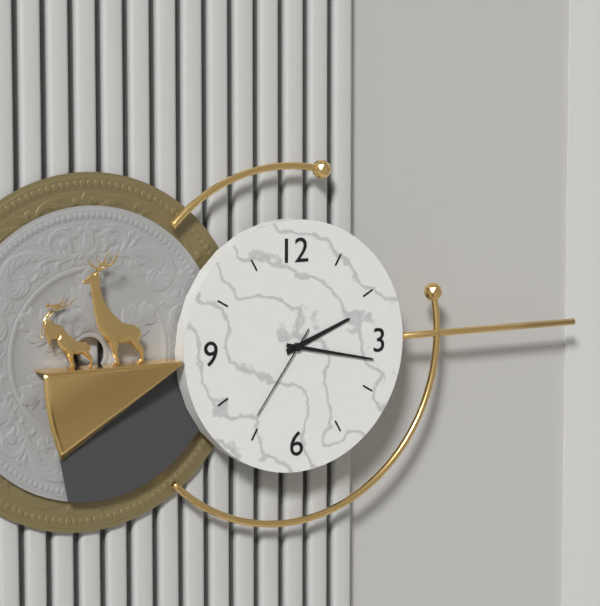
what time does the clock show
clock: 2:17:36
